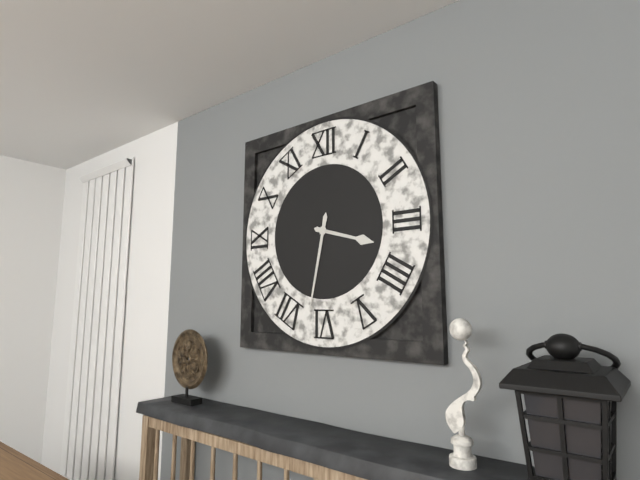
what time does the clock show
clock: 3:32
